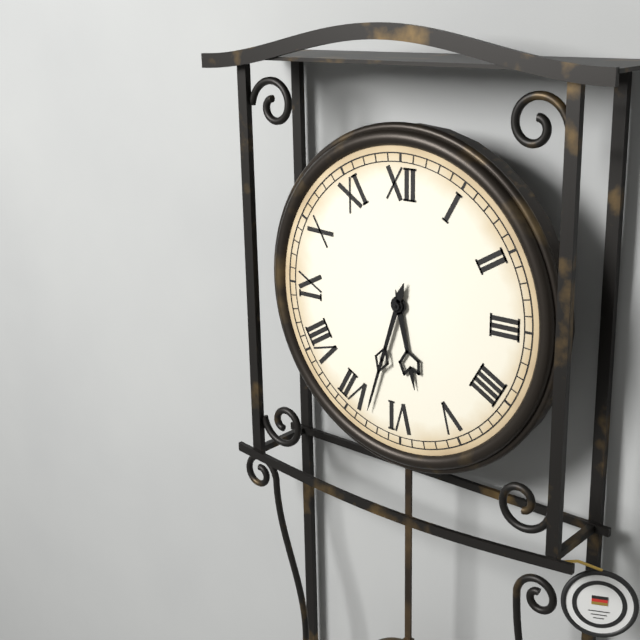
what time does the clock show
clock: 5:33
